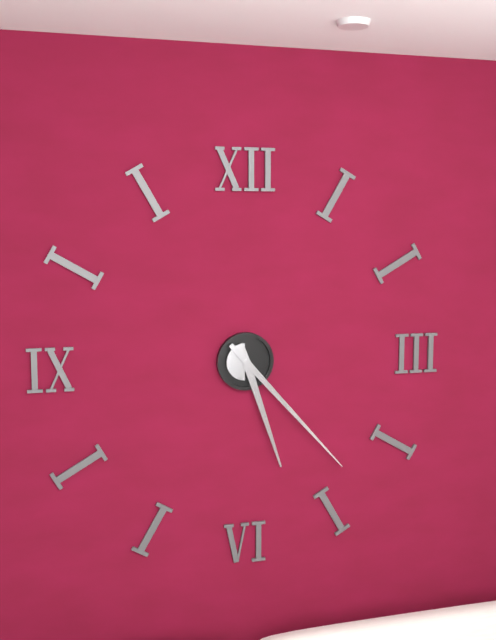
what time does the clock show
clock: 5:23
